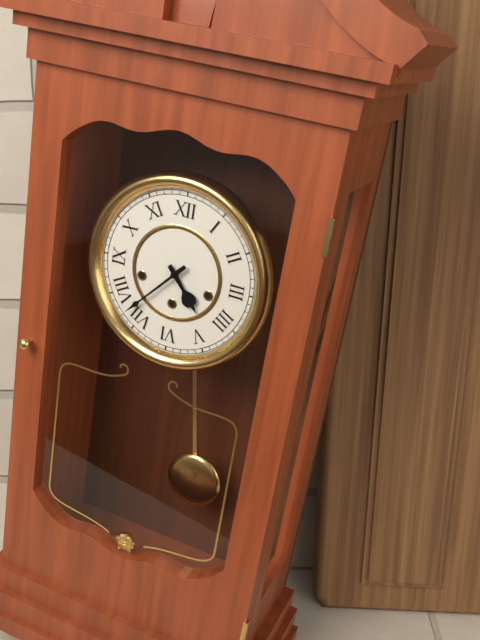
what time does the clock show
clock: 4:37
